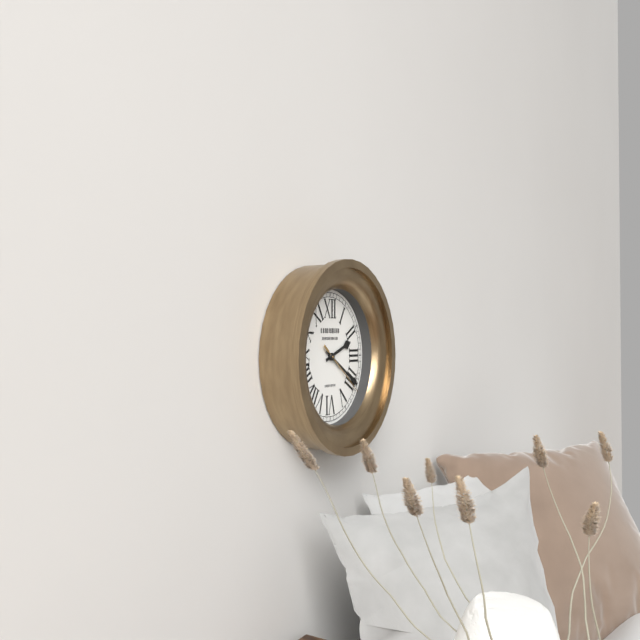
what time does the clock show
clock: 2:20:21
